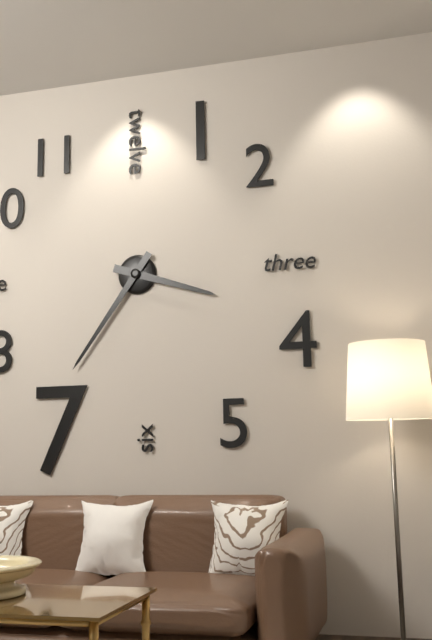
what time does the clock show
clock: 3:36
